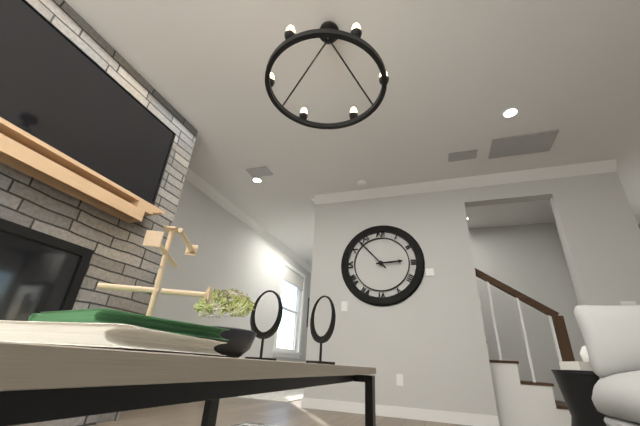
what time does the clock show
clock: 2:53
